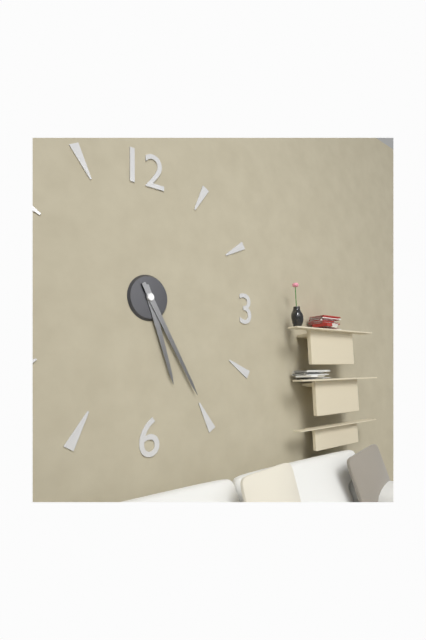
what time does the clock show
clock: 5:25
